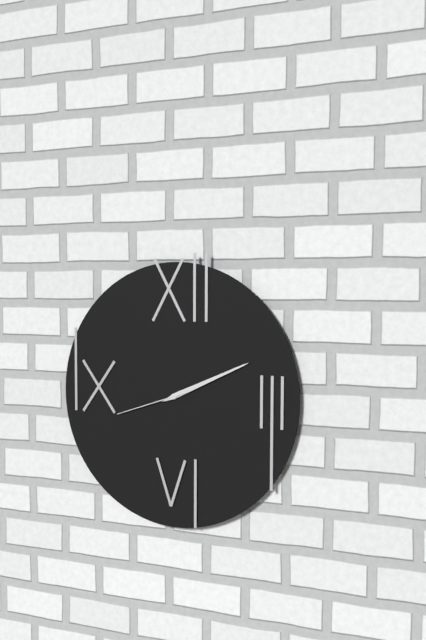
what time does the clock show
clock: 2:11:42
